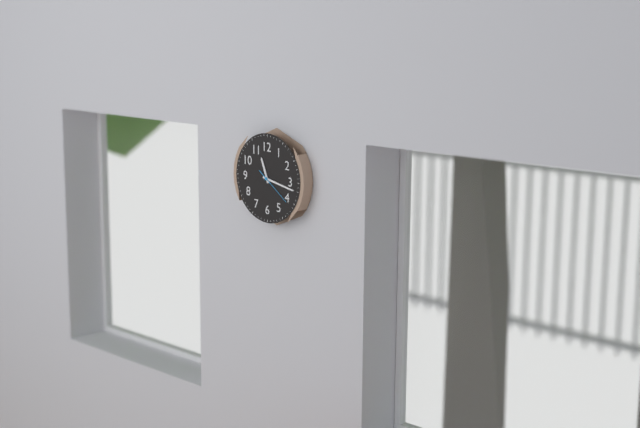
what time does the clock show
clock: 11:17
